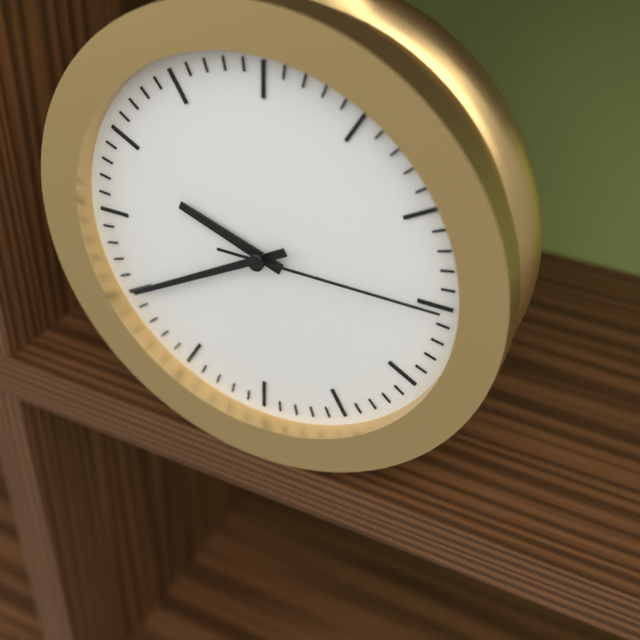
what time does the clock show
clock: 9:40:15
